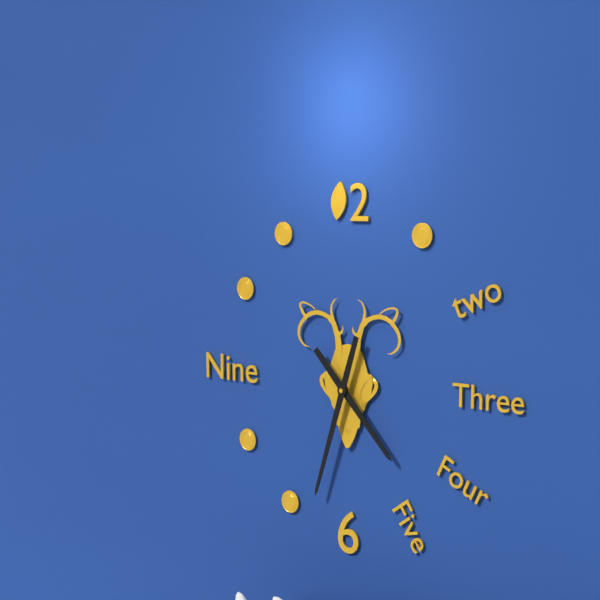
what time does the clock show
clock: 4:33
